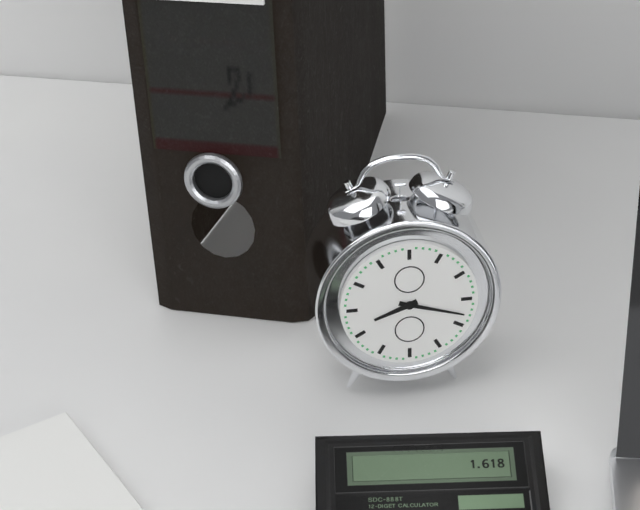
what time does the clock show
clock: 8:18
